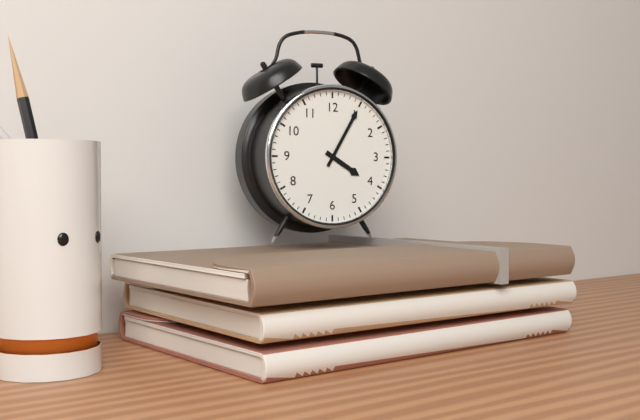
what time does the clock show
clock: 4:05
